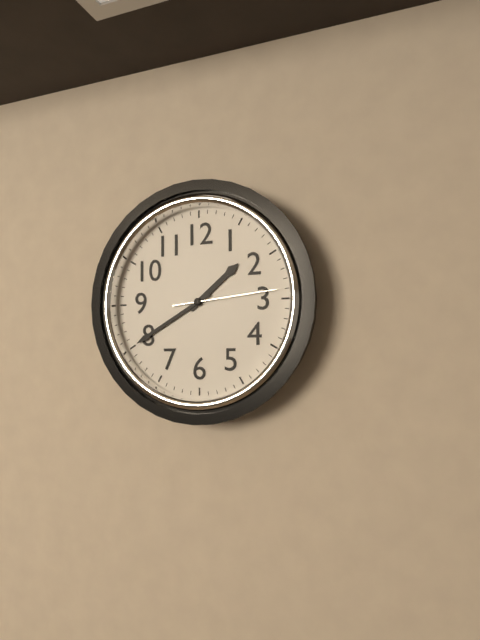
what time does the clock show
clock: 1:40:14
